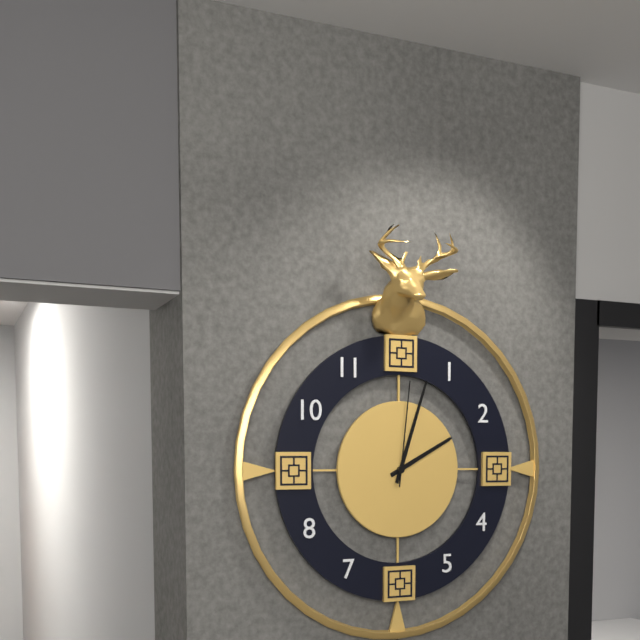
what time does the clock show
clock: 2:03:01
